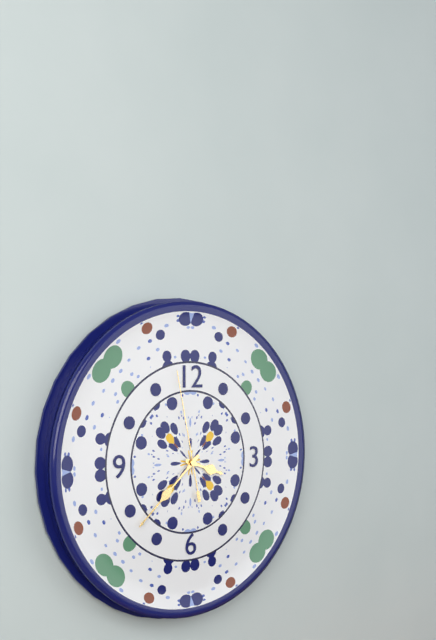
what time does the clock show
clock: 3:38:58
